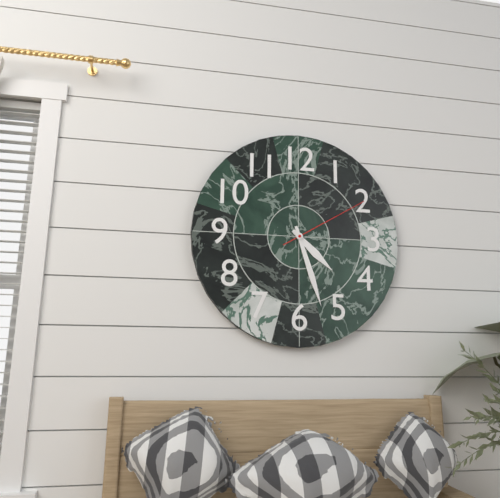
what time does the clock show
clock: 4:27:10
